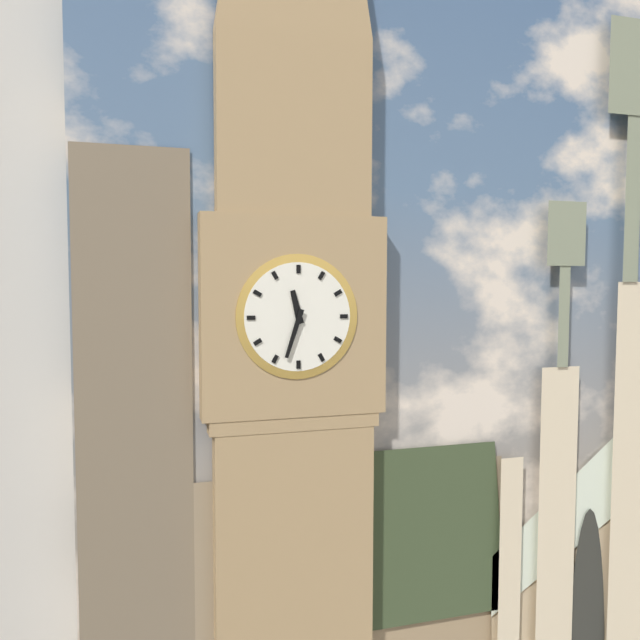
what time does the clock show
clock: 11:33
